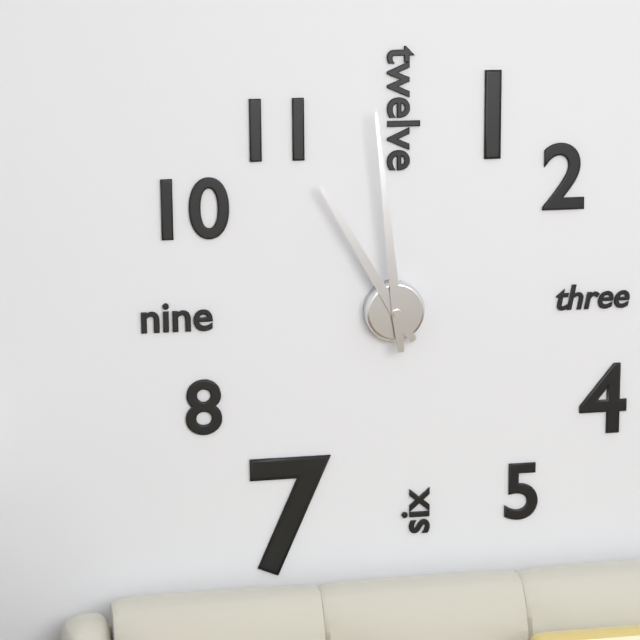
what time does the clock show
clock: 10:59
